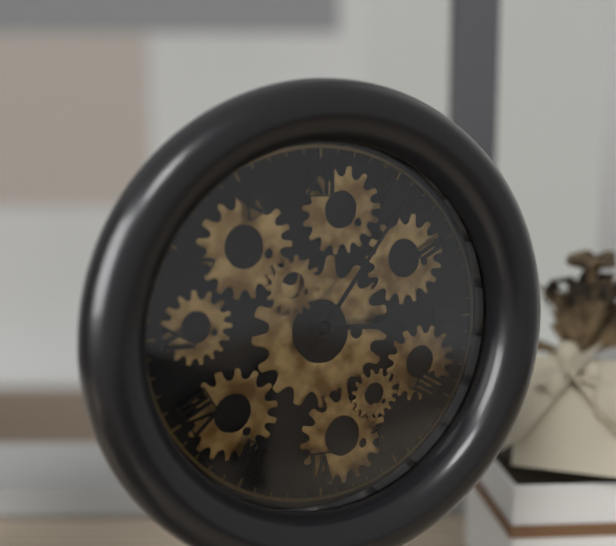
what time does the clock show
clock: 3:06
